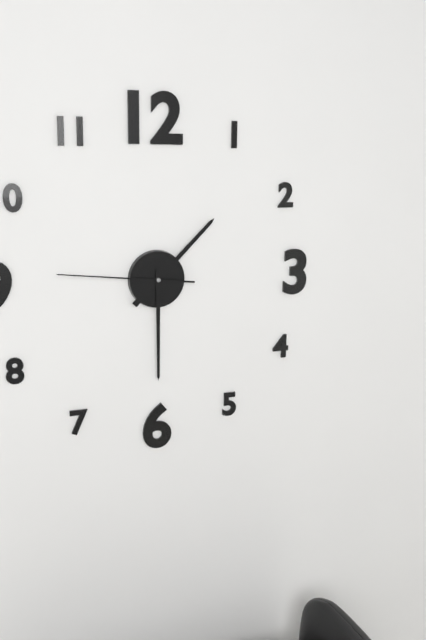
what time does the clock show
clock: 1:30:46
